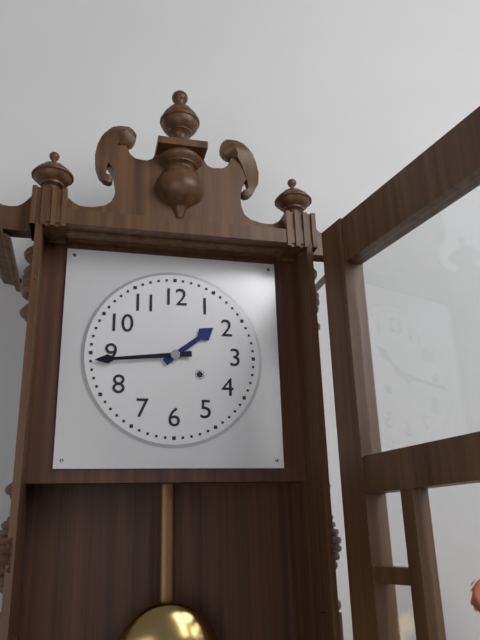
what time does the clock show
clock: 1:44
